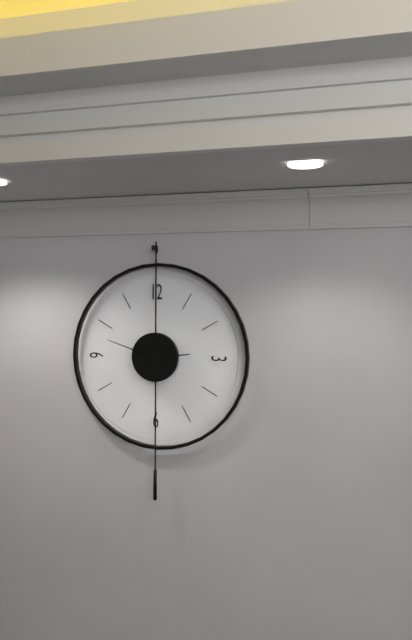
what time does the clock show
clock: 2:48
